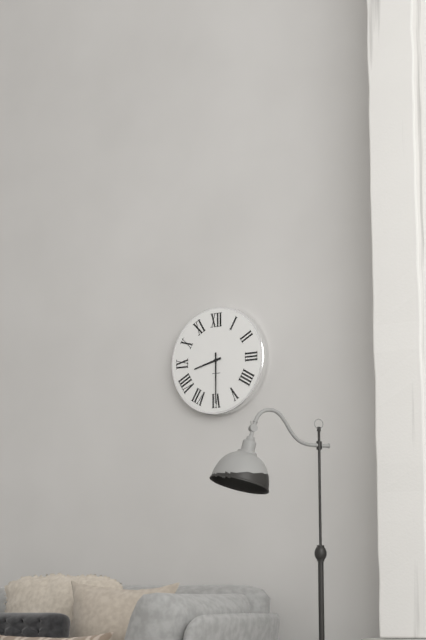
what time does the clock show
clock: 8:30
